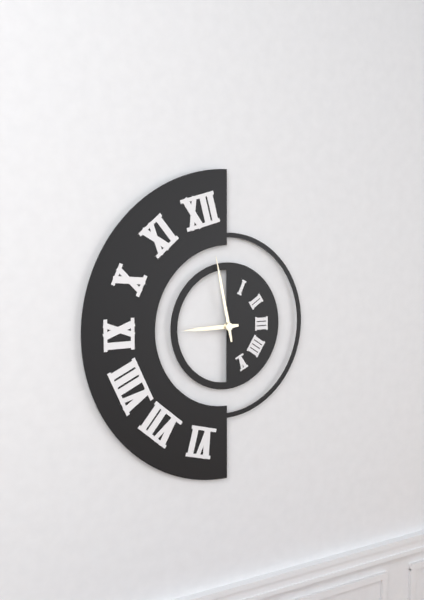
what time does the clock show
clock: 8:58
